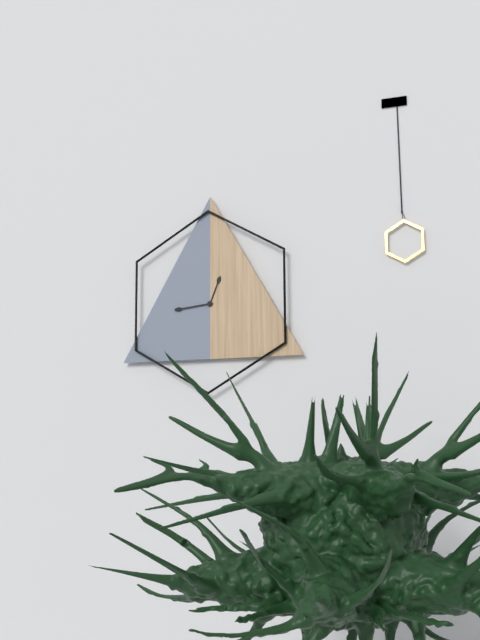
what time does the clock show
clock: 12:44
